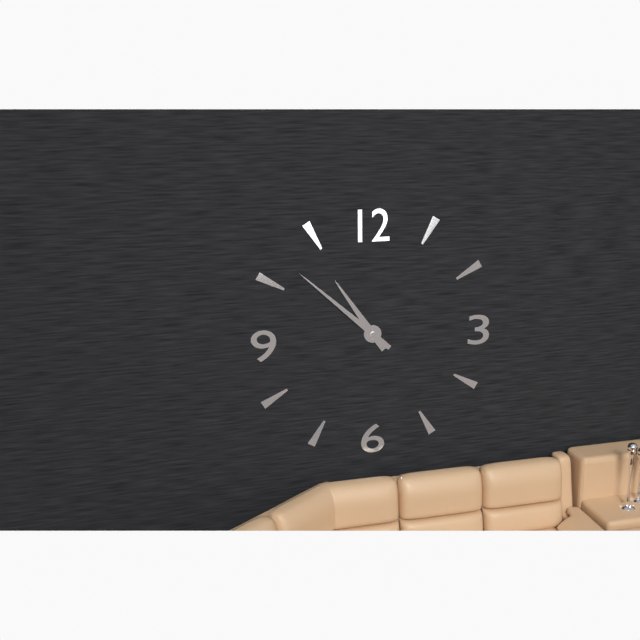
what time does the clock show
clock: 10:52
